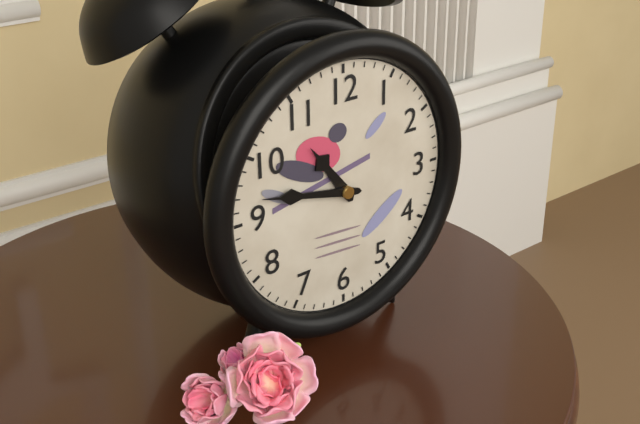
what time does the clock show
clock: 10:47
